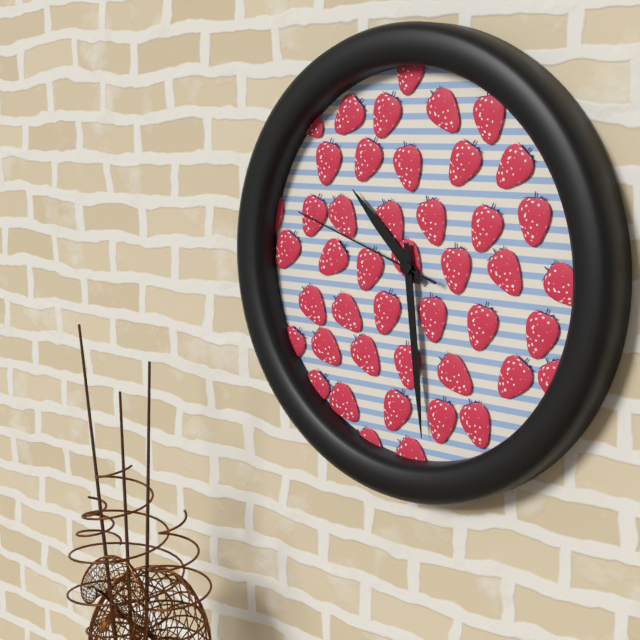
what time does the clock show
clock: 10:29:48
